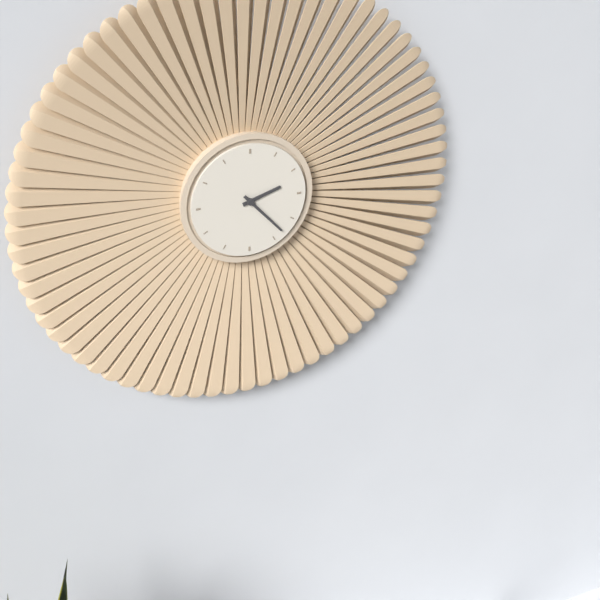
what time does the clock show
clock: 2:23
